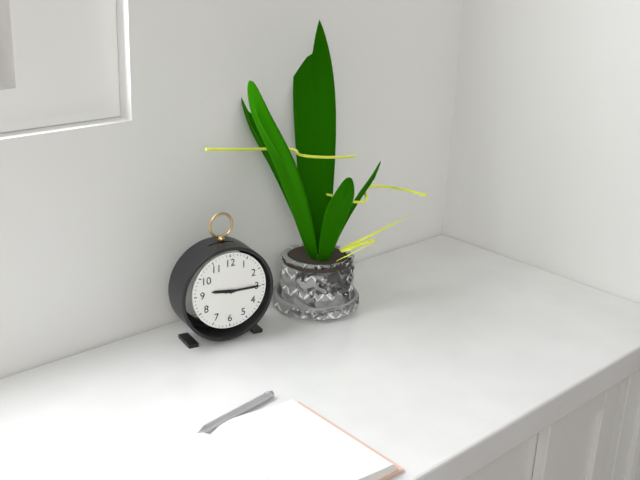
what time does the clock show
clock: 9:15
